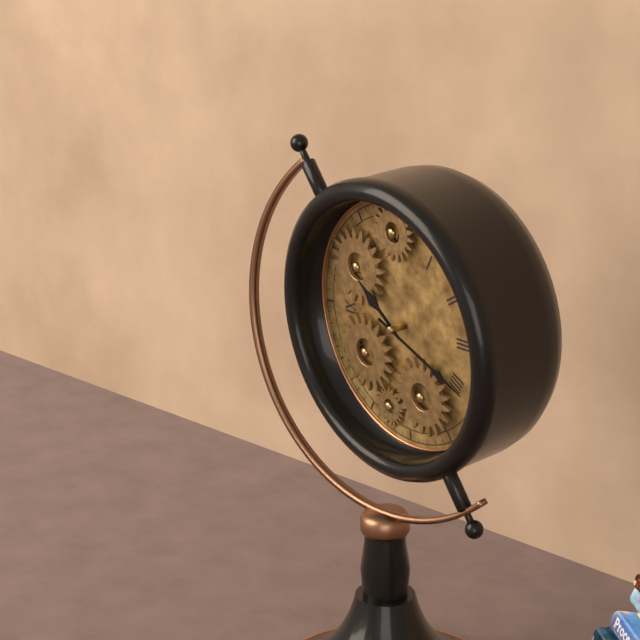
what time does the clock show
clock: 10:19
